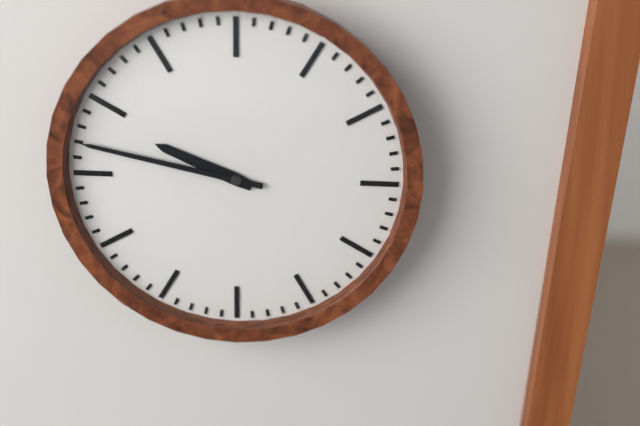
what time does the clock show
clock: 9:47
